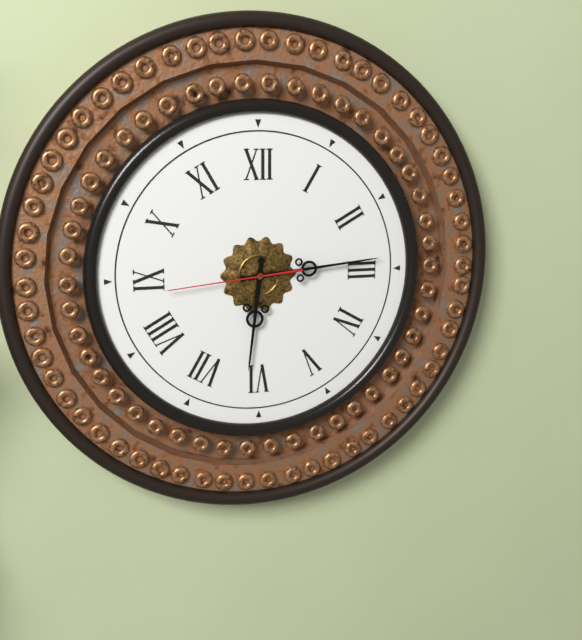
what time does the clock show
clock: 6:14:44
